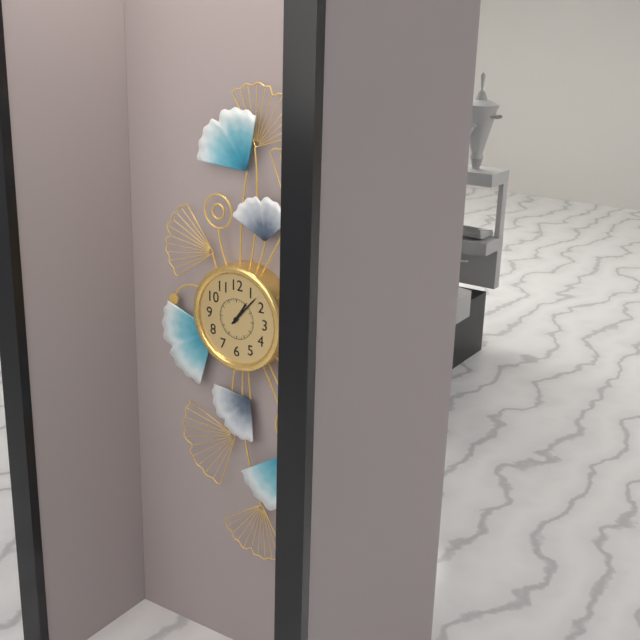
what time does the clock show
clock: 1:07
